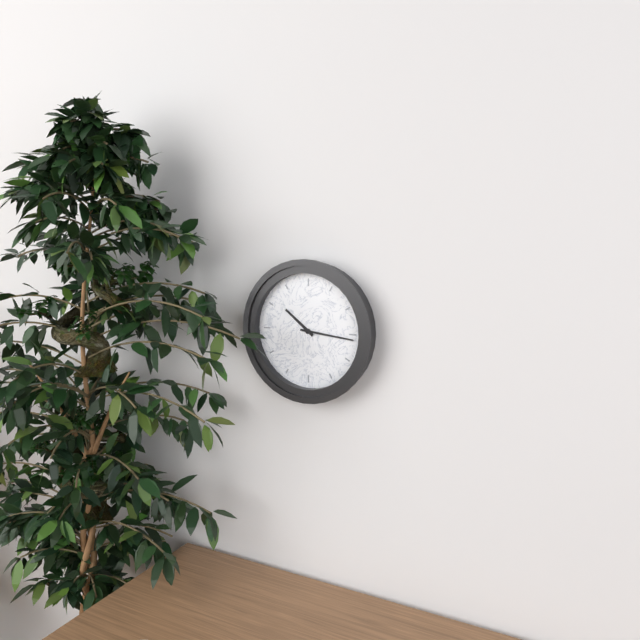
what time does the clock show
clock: 10:16
